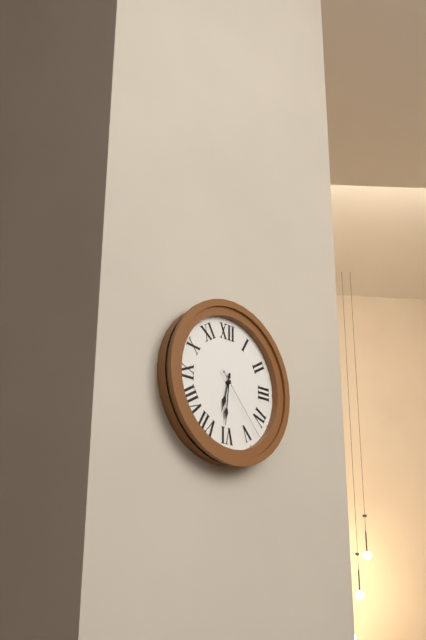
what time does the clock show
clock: 6:31:23
